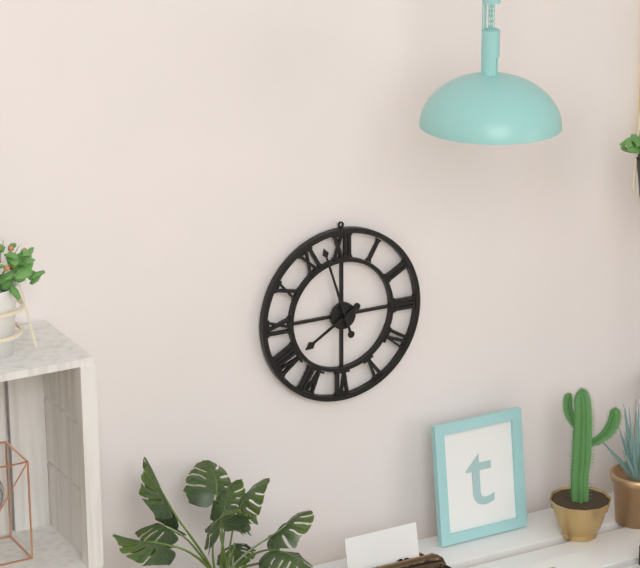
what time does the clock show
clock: 7:57
